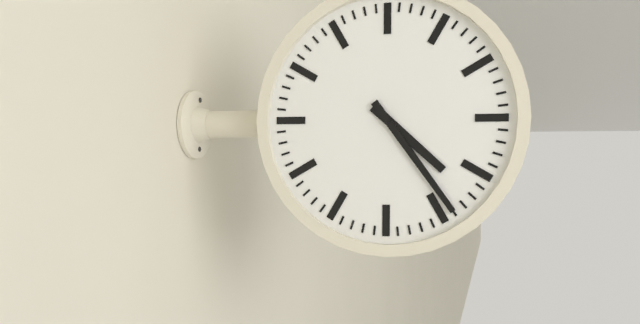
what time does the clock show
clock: 4:24
